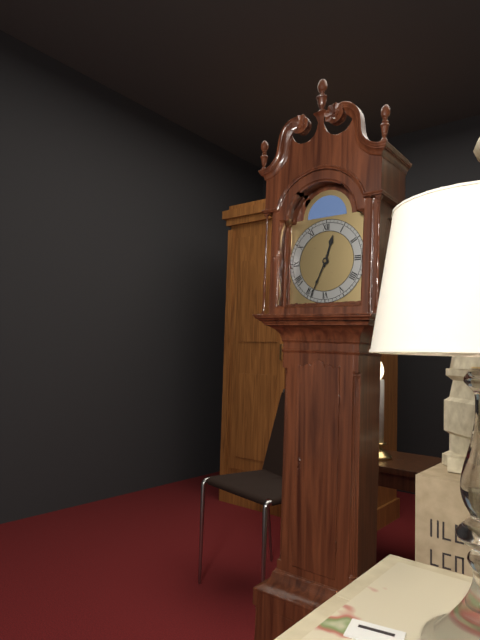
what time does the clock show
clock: 12:34
